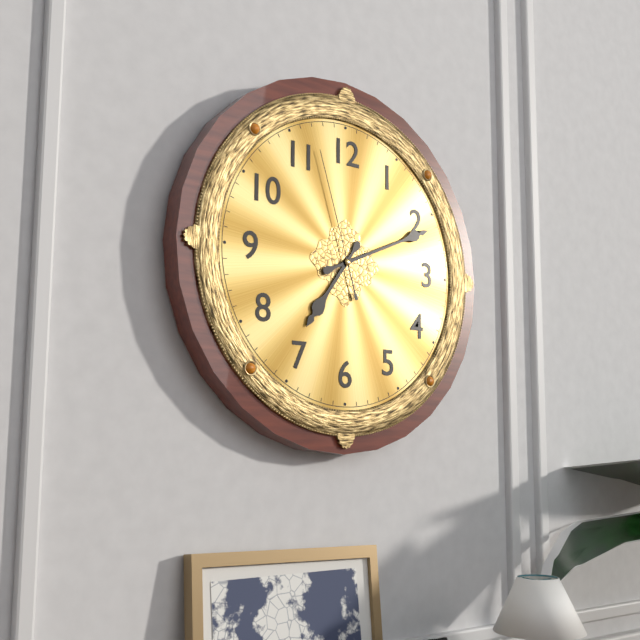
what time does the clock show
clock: 7:11:57
